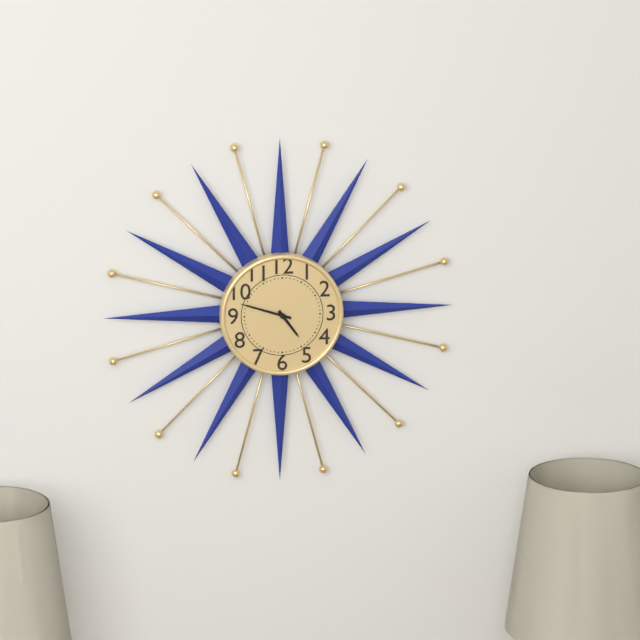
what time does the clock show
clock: 4:48
